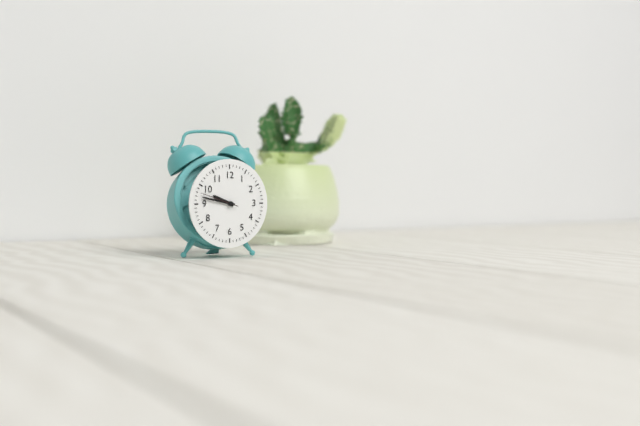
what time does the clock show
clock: 9:47
